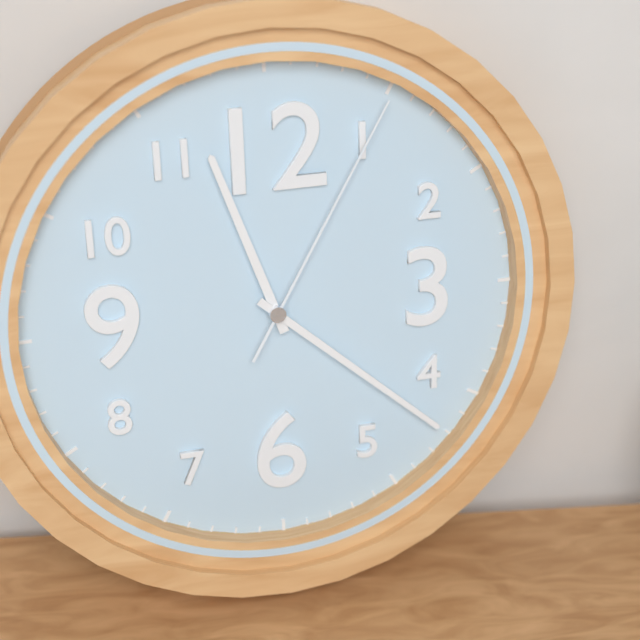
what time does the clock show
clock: 11:22:05
